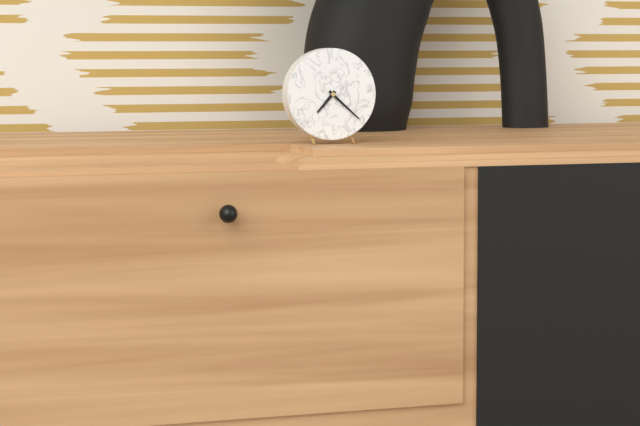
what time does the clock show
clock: 7:22
